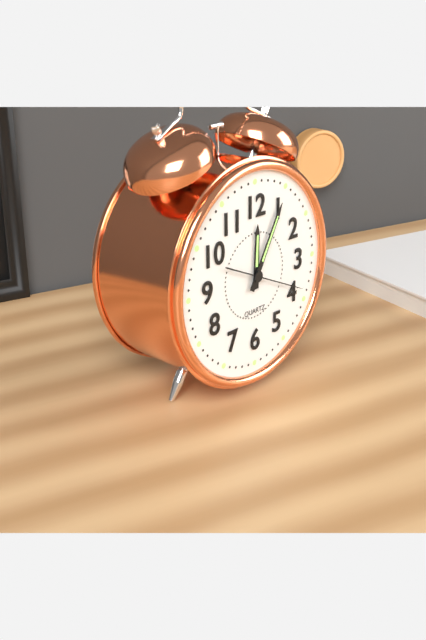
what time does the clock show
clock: 12:05:19
